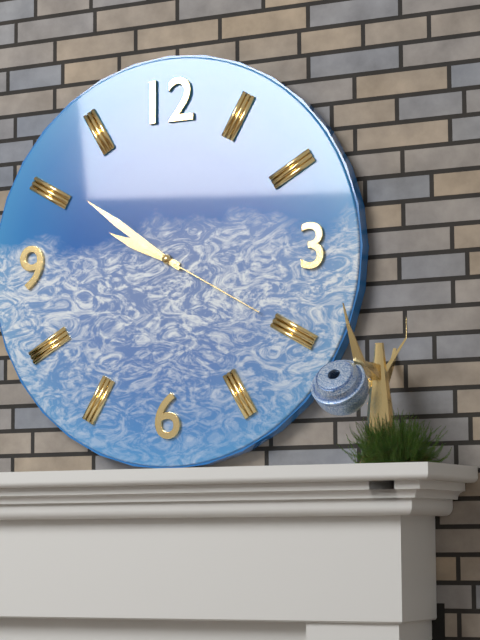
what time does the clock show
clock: 9:51:20
